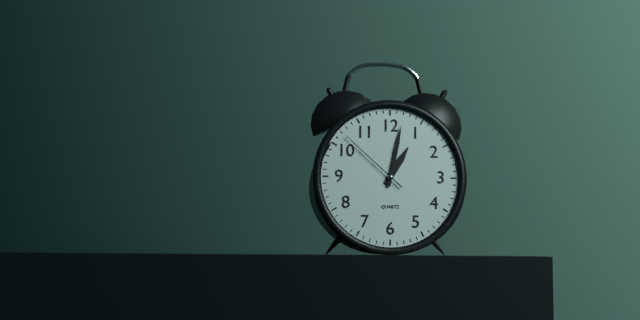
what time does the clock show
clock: 1:02:52
